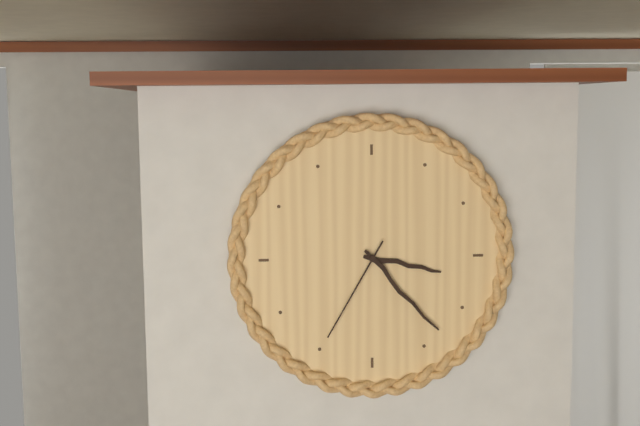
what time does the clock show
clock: 3:23:35
